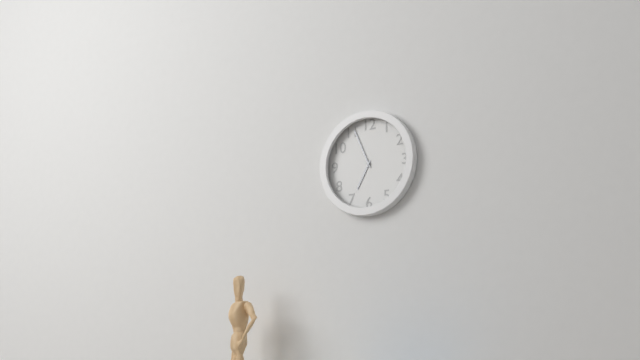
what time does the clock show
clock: 6:56
